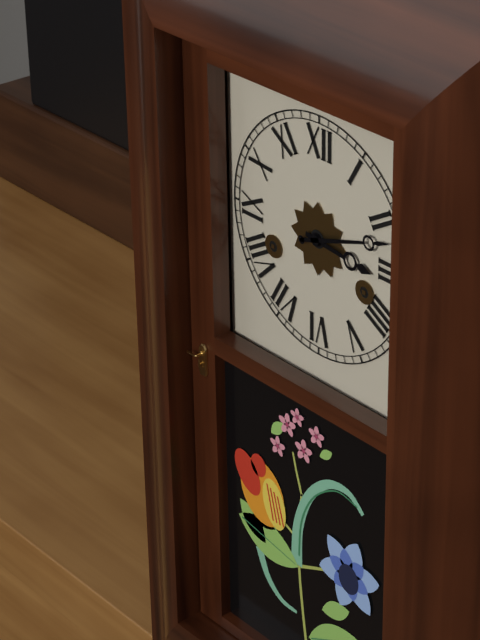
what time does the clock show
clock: 3:12
